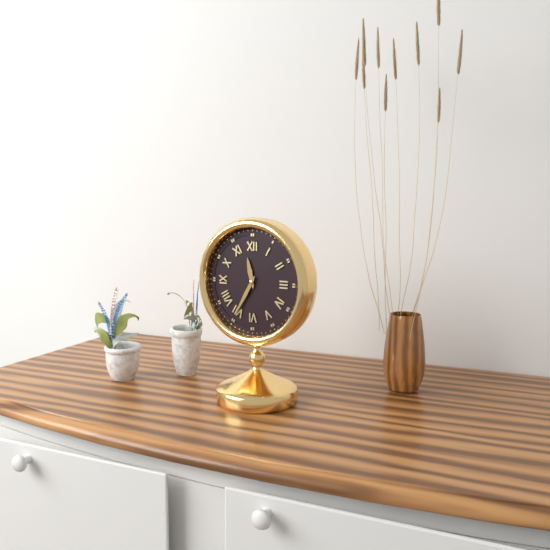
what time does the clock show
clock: 11:35
